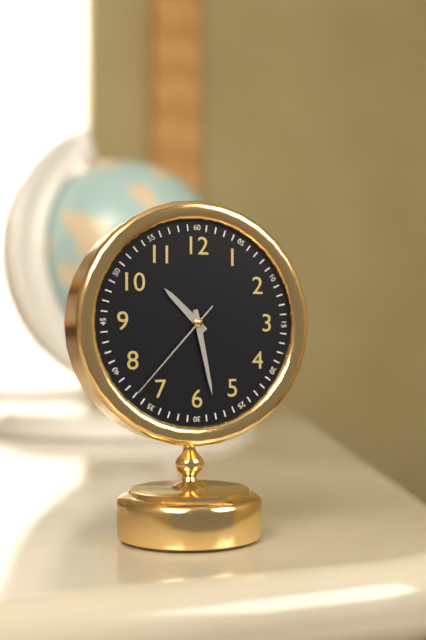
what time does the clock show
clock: 10:28:37
